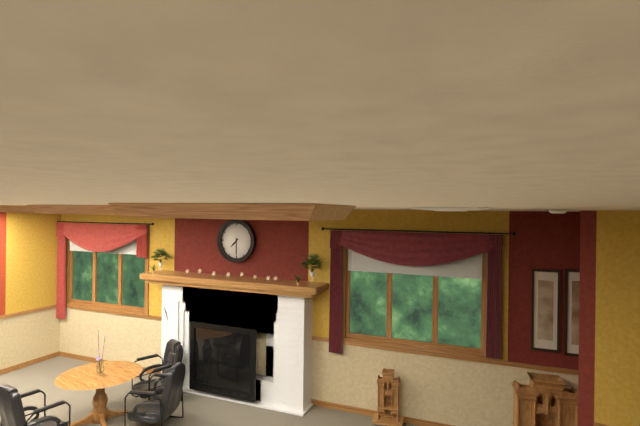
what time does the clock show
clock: 7:30
